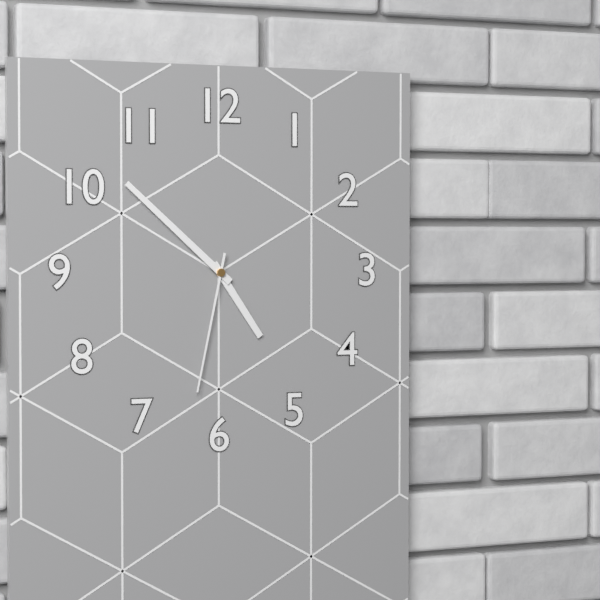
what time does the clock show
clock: 4:52:32
